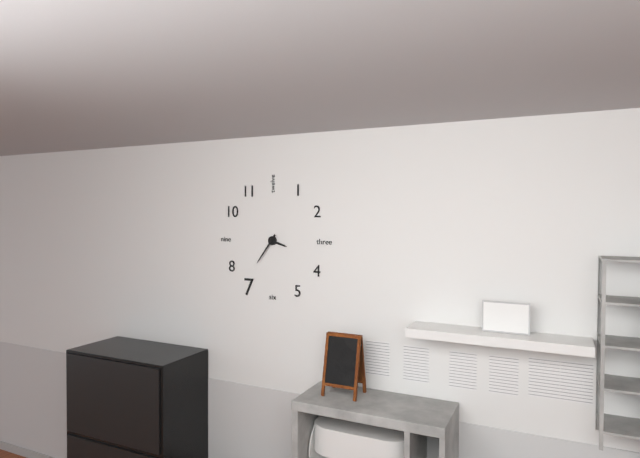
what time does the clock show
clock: 3:36
